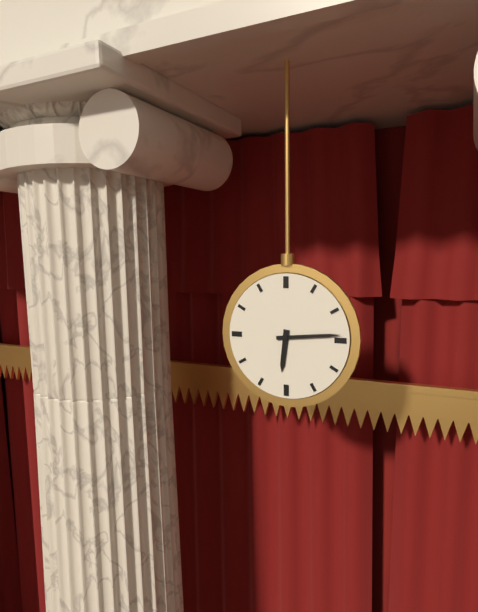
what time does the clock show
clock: 6:14
